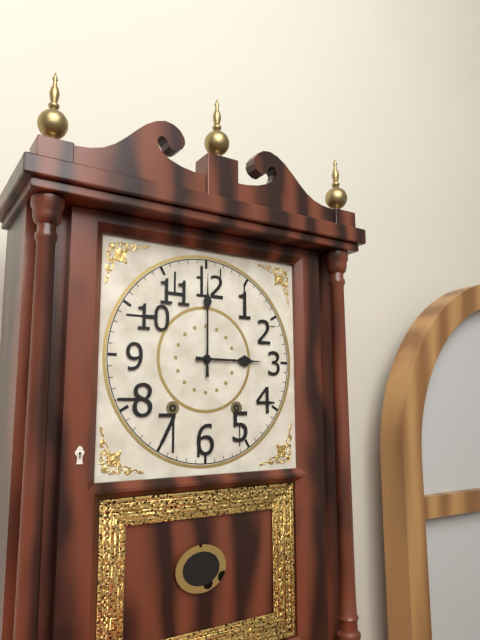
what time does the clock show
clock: 3:00
